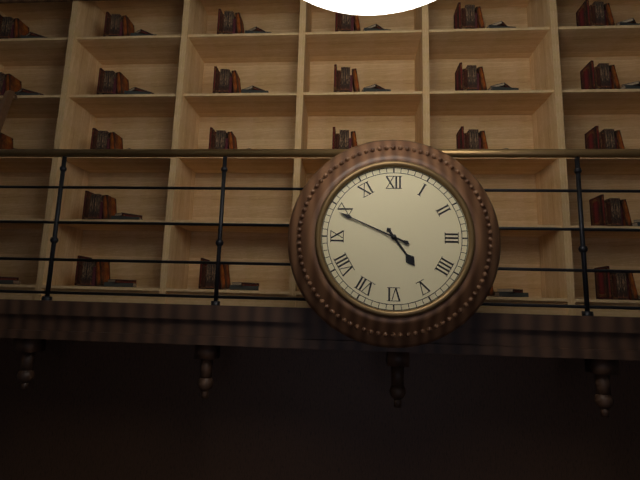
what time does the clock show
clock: 4:49
